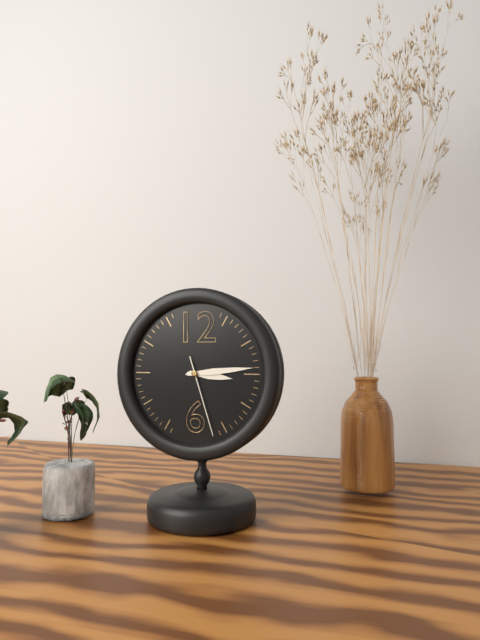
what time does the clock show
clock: 3:14:27
